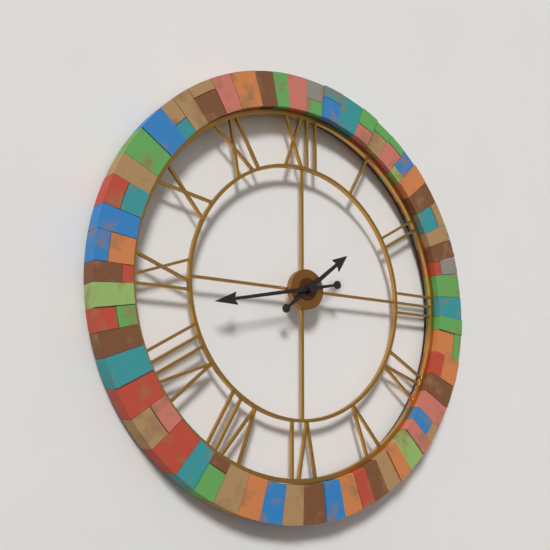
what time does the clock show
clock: 1:43
